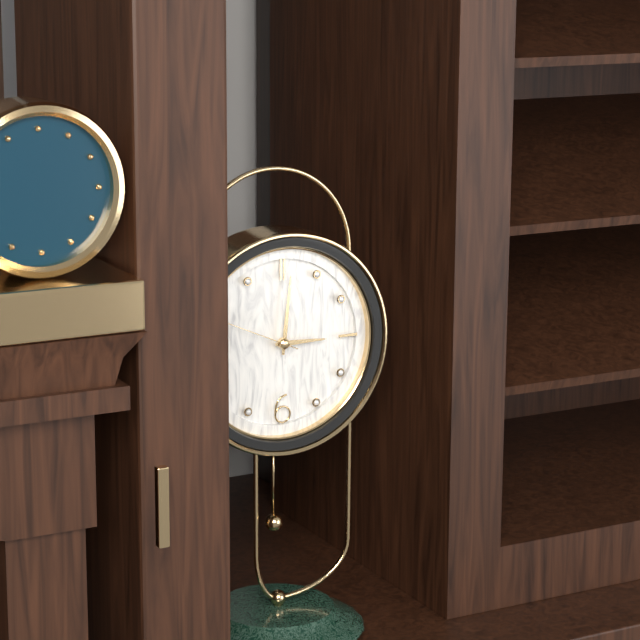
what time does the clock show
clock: 3:01:49
